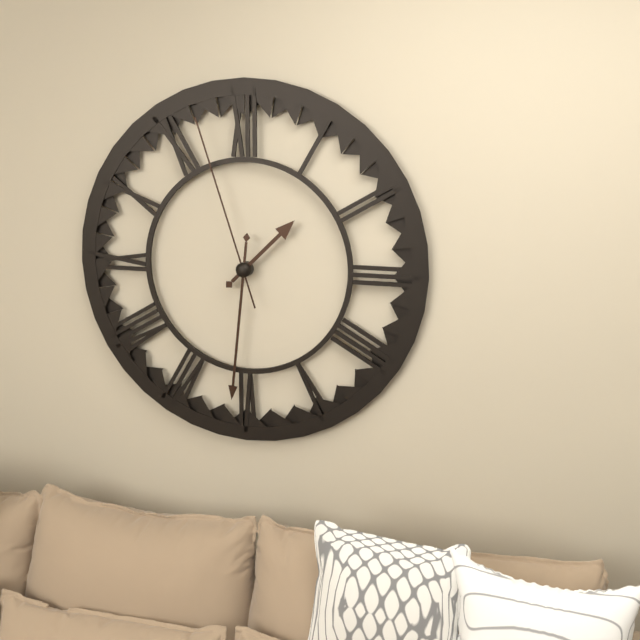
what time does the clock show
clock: 1:31:57
